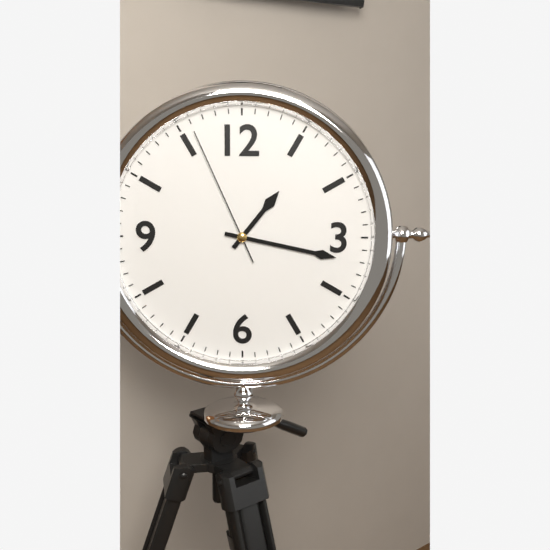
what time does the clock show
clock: 1:17:56
